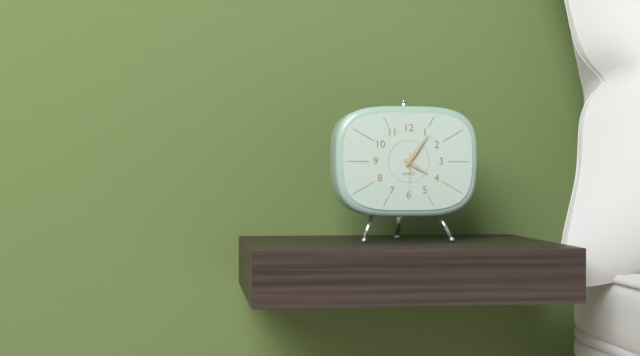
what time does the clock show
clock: 4:06
